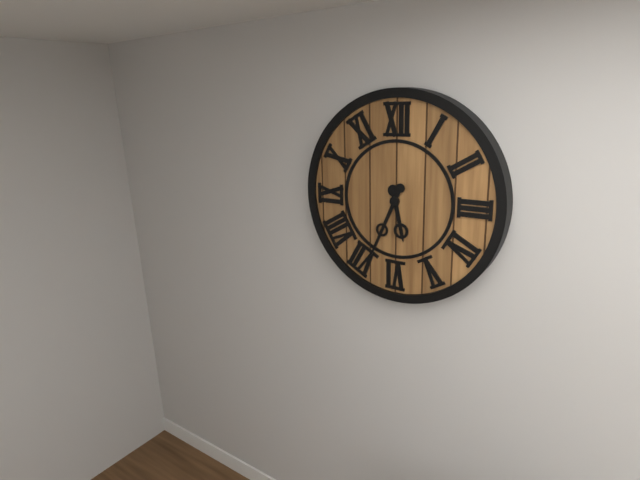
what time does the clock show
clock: 5:34
